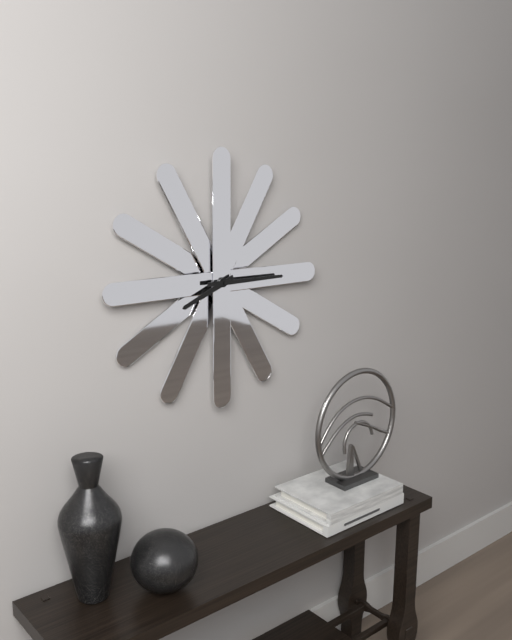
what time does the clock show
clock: 8:15
